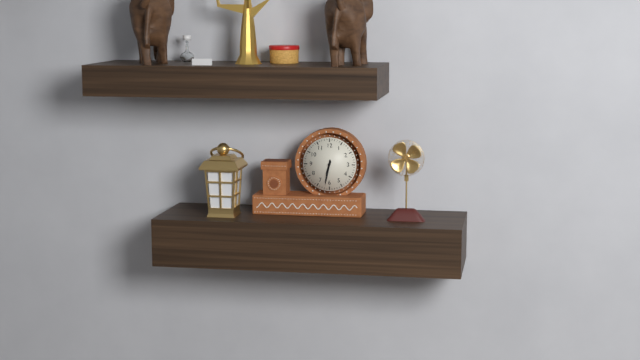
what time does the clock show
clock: 6:32
